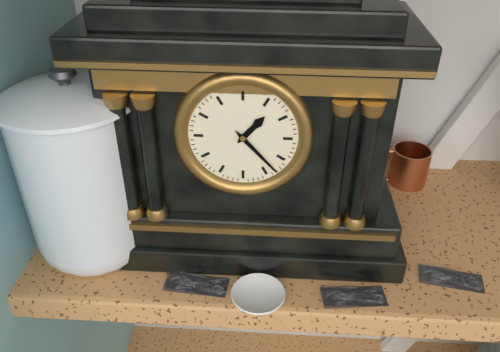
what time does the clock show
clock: 1:23
